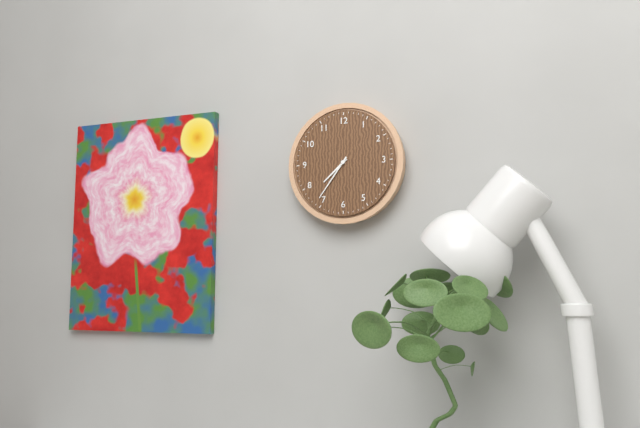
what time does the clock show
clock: 7:36
